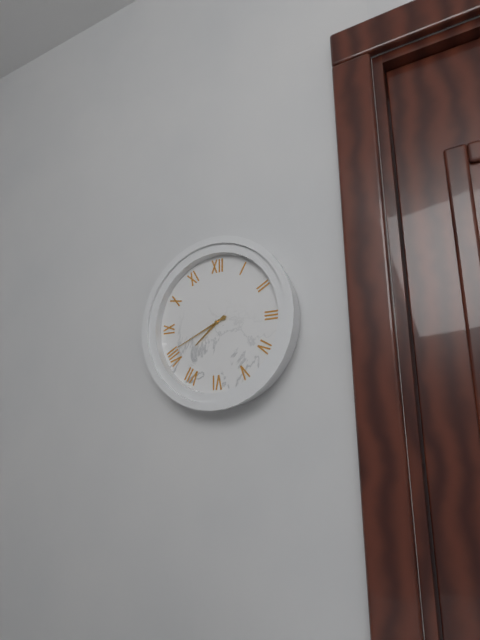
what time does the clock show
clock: 7:41
